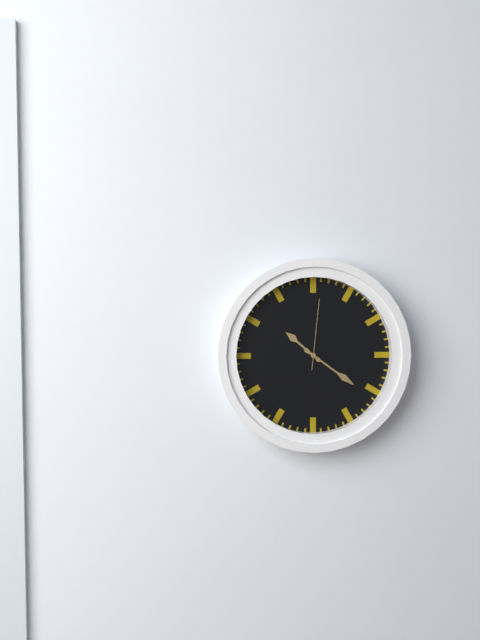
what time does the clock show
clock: 10:21:01
